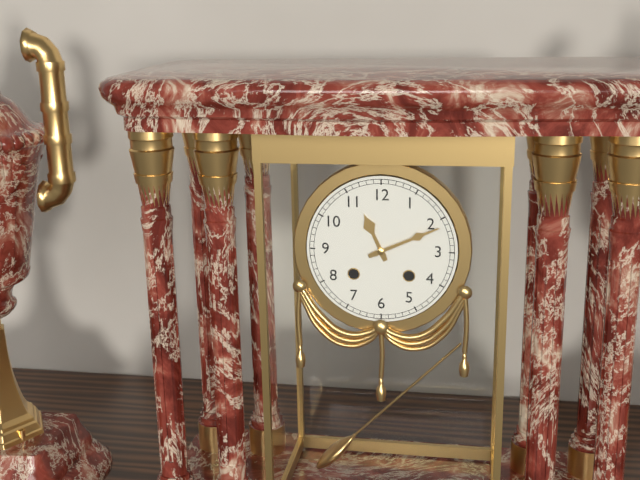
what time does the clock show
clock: 11:11
